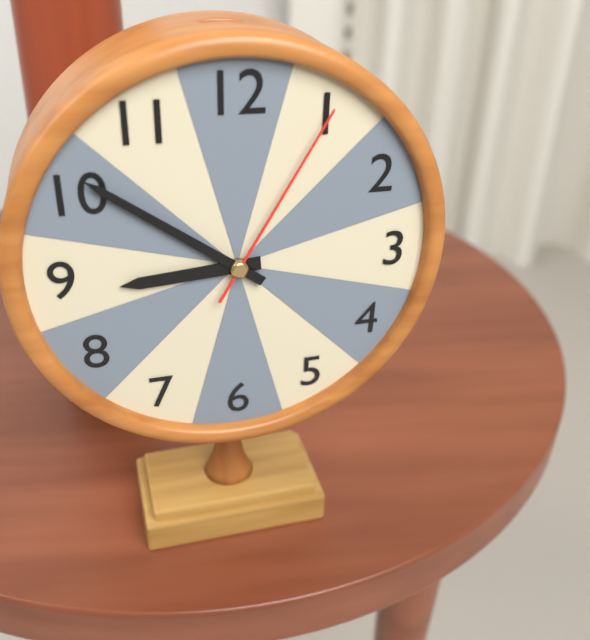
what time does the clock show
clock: 8:51:05
